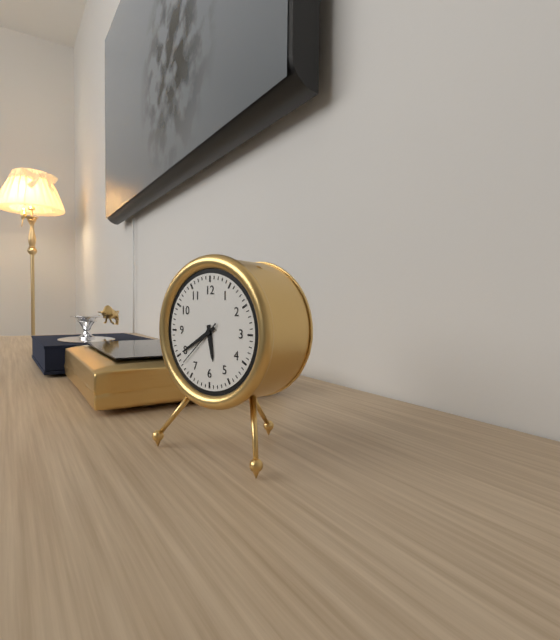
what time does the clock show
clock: 5:40
